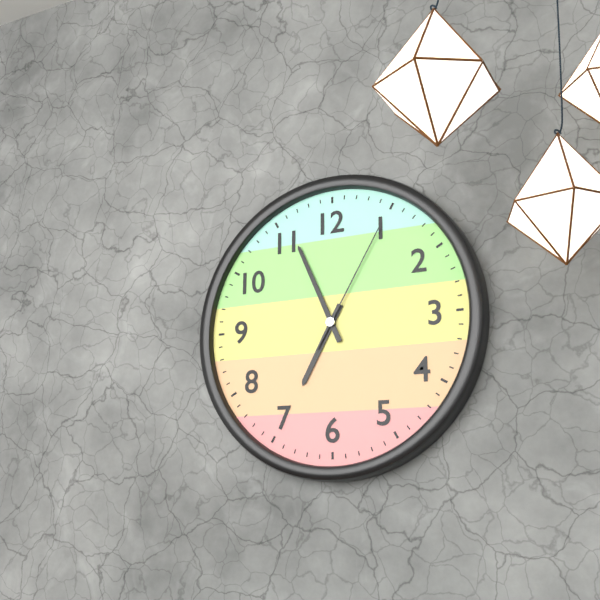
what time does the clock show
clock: 6:56:05
